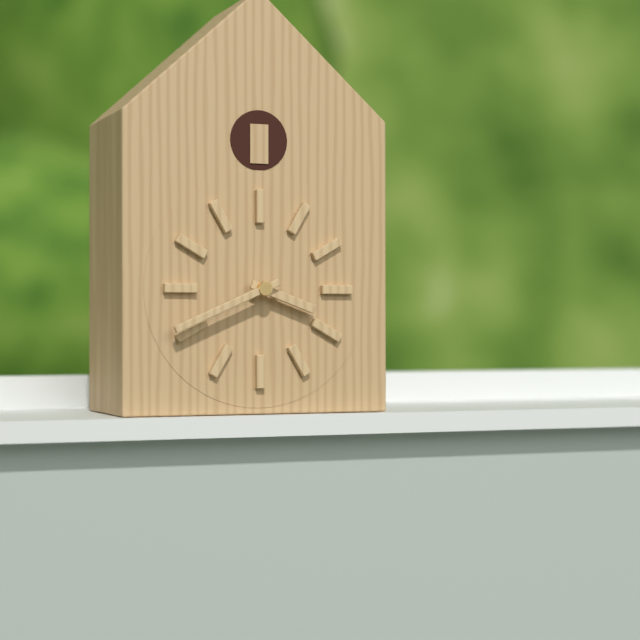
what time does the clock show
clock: 3:41
